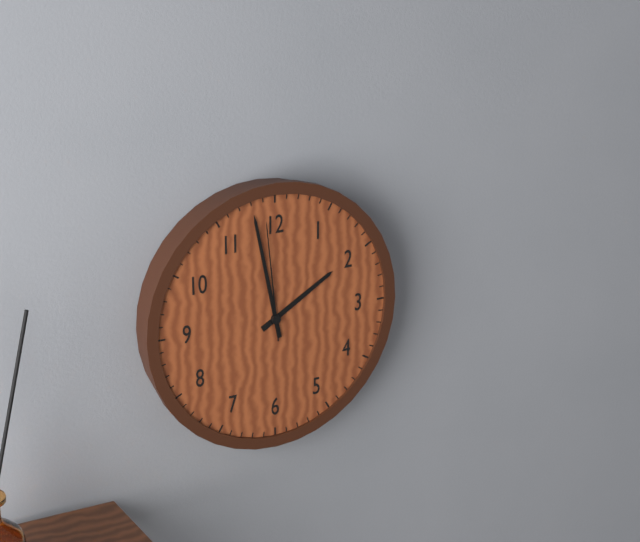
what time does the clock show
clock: 1:58:59
